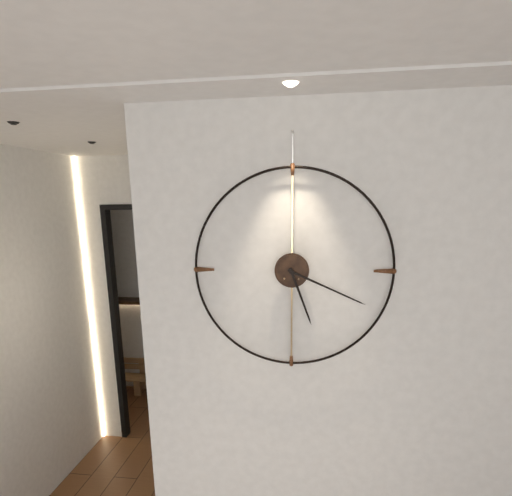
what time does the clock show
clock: 5:19
